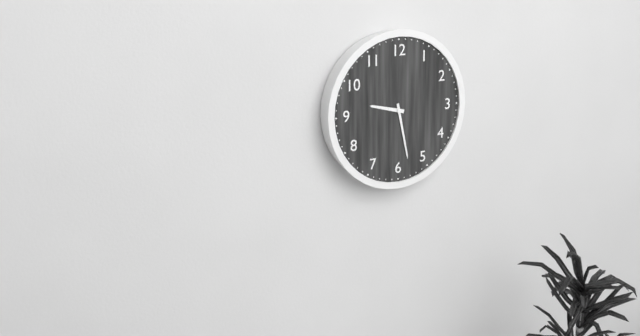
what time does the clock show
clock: 9:28
